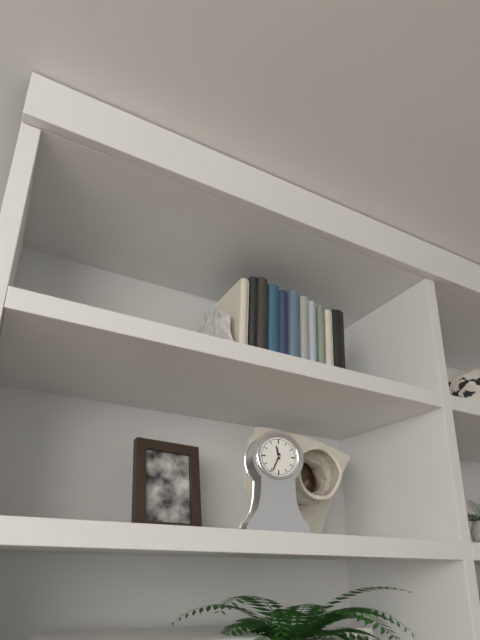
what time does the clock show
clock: 11:34
